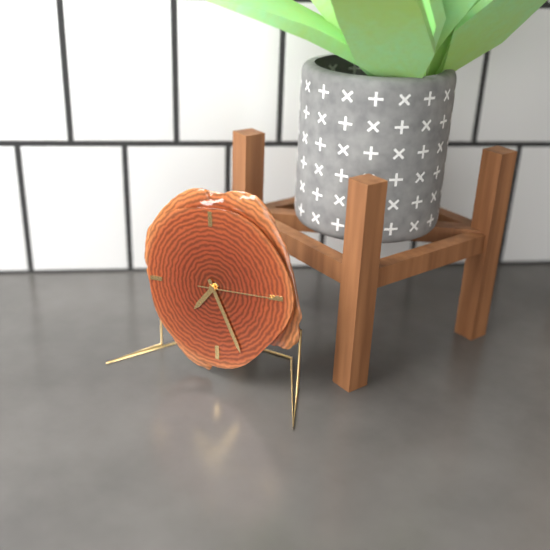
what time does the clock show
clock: 7:26:15
